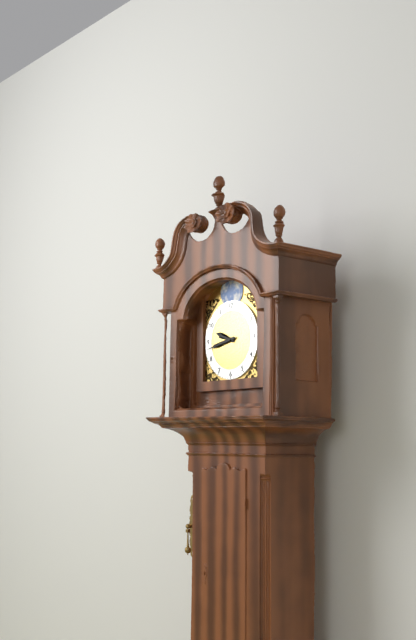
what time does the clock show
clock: 9:43
